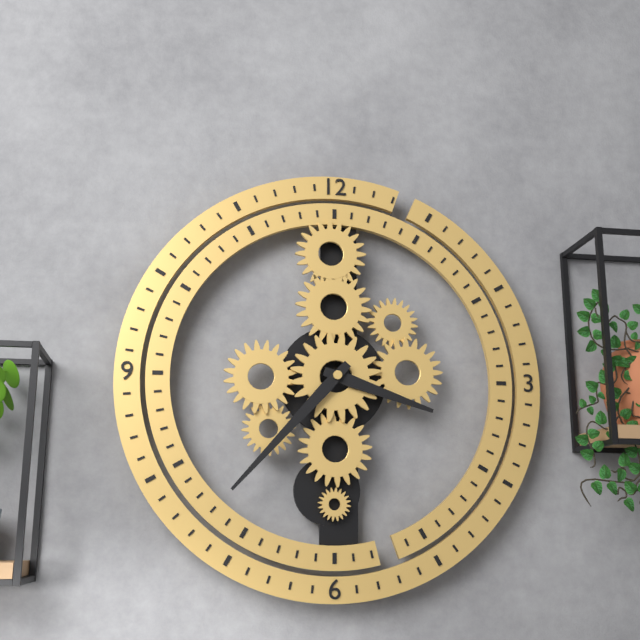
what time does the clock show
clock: 3:37
